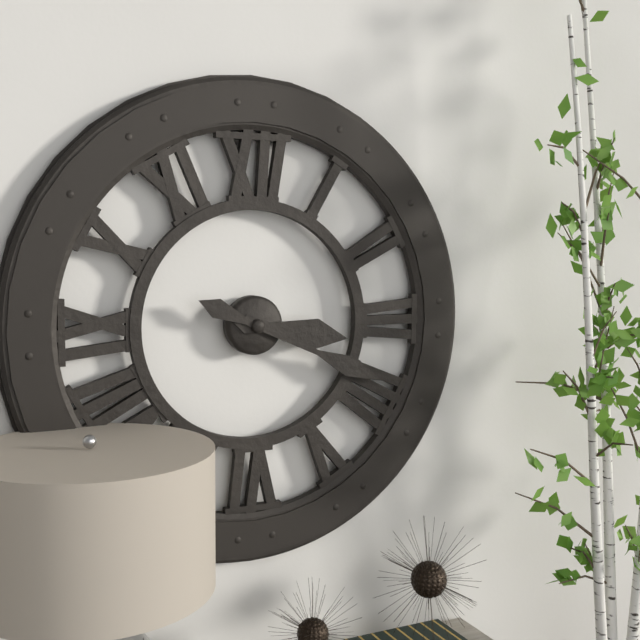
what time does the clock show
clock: 3:19
